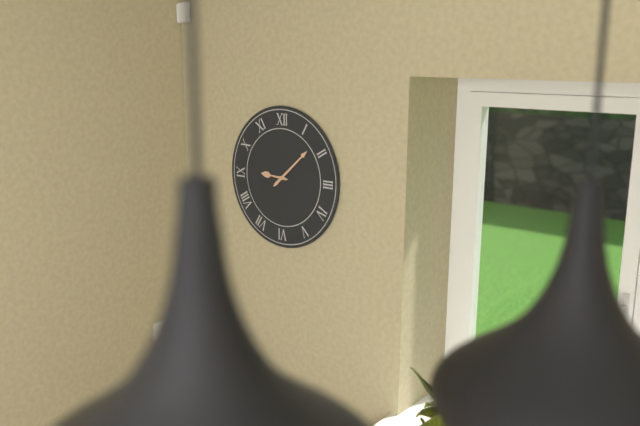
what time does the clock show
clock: 9:08
